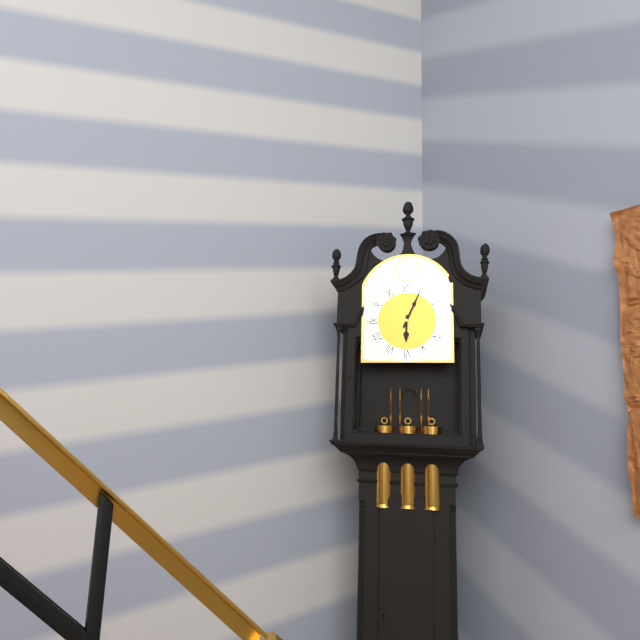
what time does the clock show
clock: 6:04
